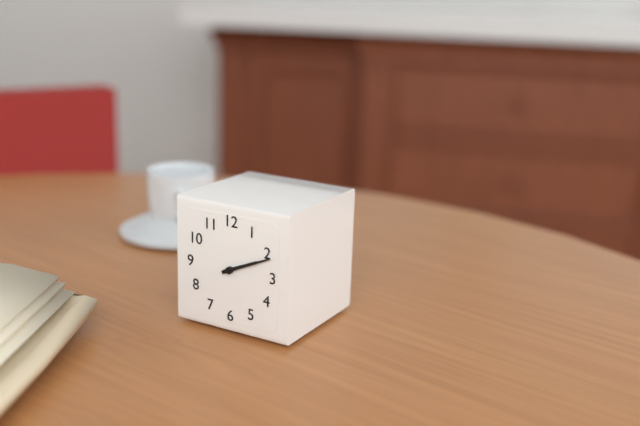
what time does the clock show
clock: 2:11
